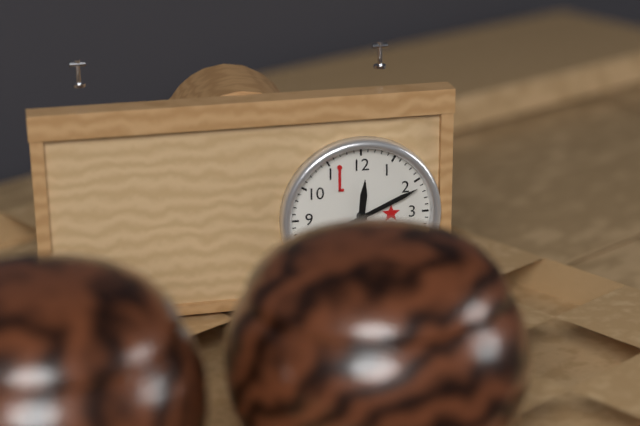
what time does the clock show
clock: 12:11
